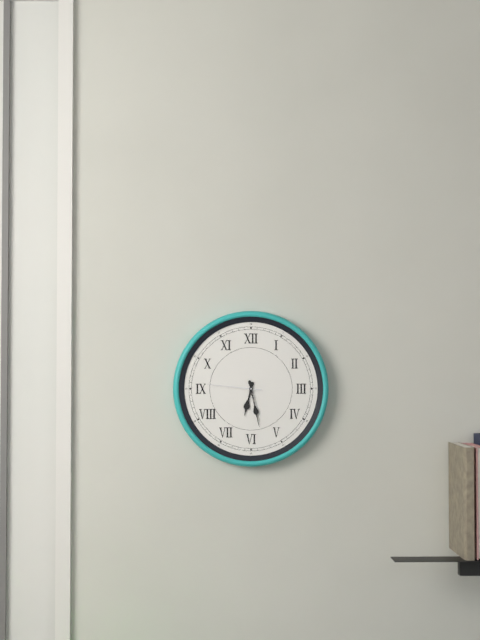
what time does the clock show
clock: 6:28:46
